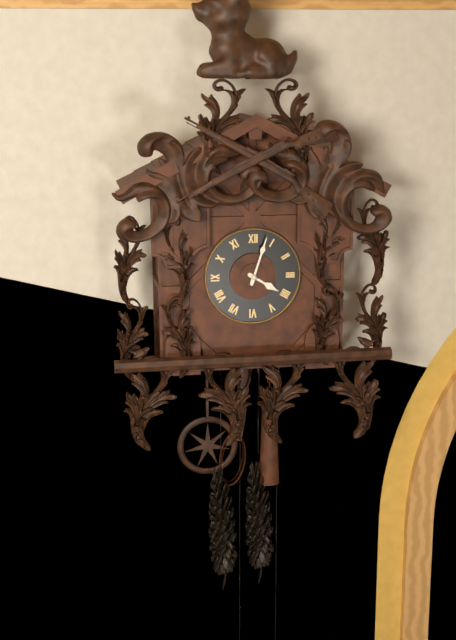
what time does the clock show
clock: 4:03
